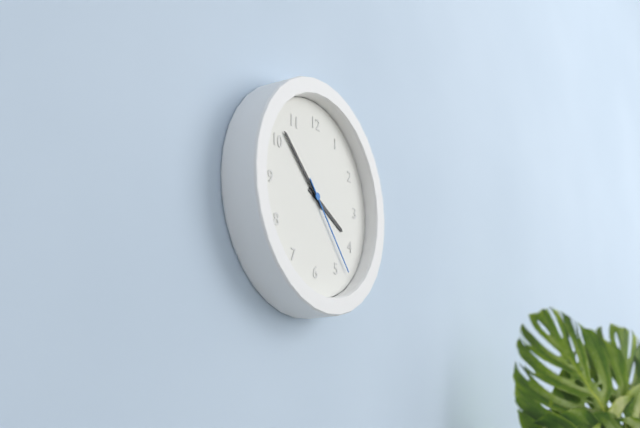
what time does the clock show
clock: 3:52:23
